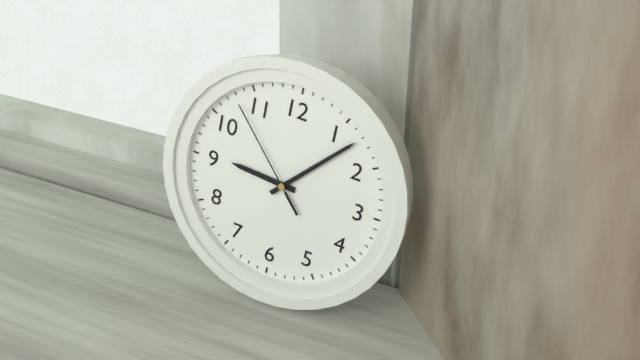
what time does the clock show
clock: 9:07:53
